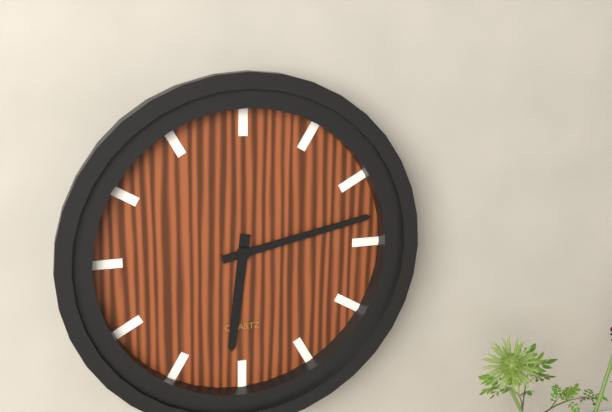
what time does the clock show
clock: 6:13
